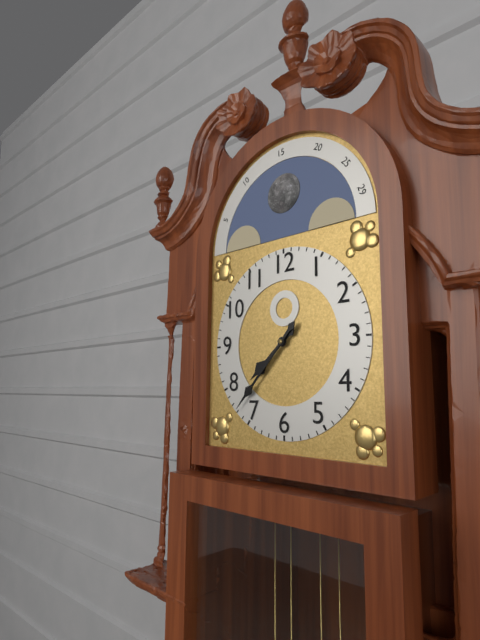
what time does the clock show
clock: 7:37
